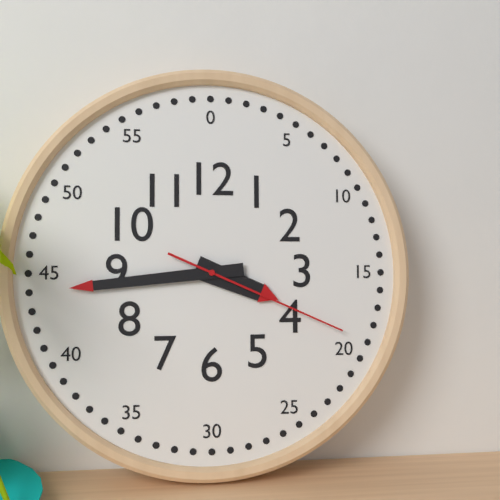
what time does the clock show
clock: 3:44:19
